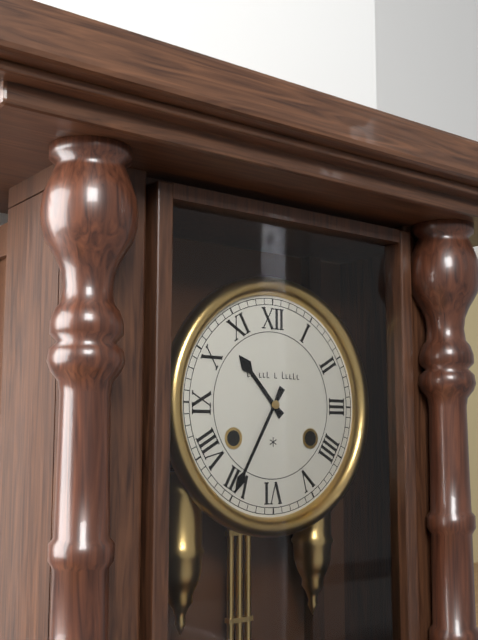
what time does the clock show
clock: 10:35
